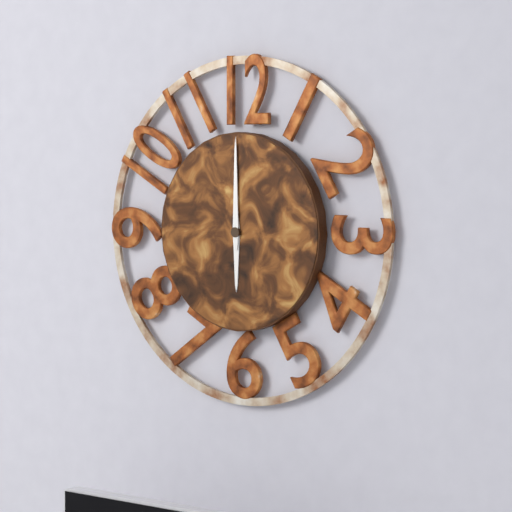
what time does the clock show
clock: 6:00
